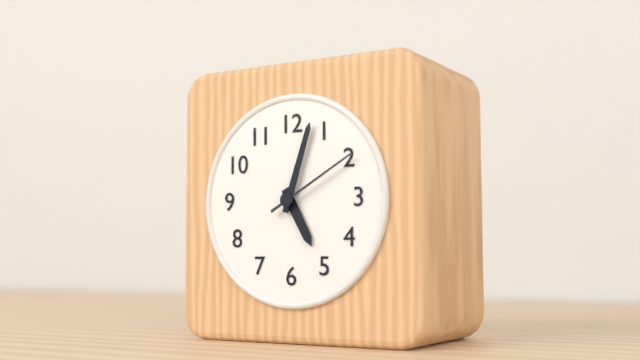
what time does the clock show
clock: 5:03:10
